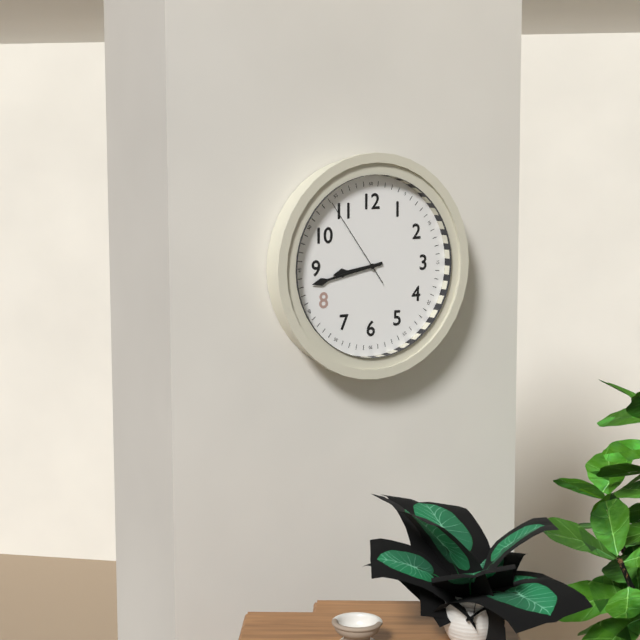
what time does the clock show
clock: 8:43:54
